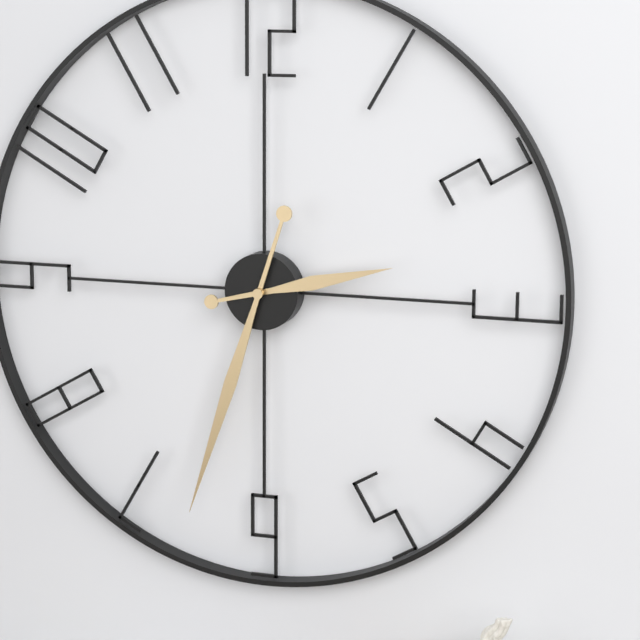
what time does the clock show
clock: 2:33
